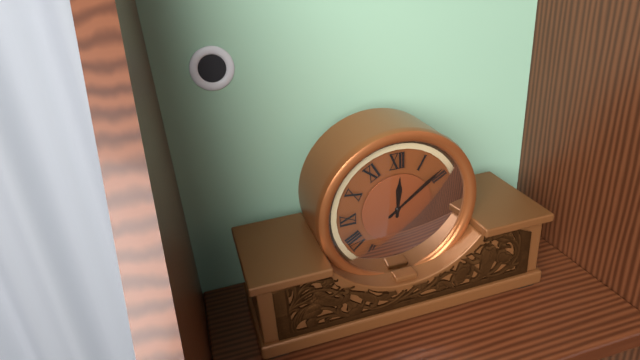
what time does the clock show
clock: 12:09
